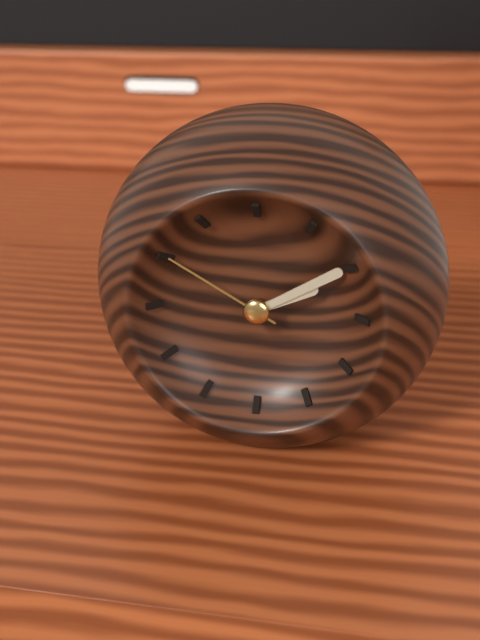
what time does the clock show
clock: 2:10:50
